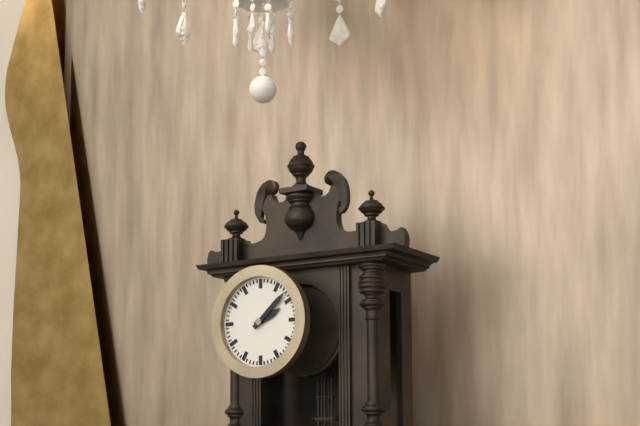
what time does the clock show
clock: 2:08
